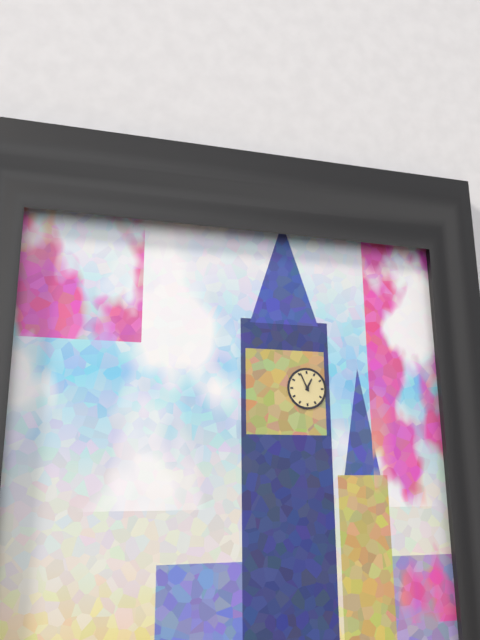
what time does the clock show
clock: 12:56
